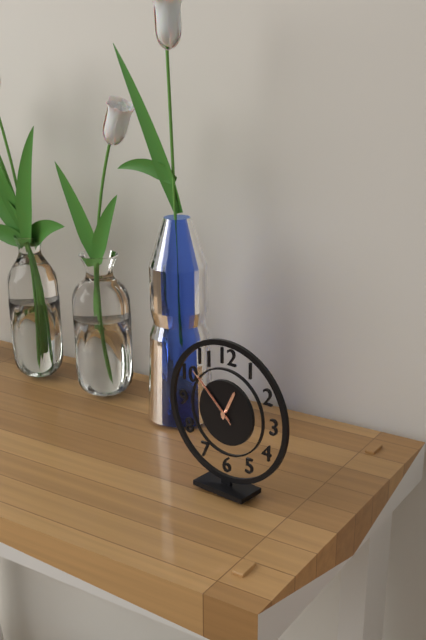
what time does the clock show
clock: 12:52:52
